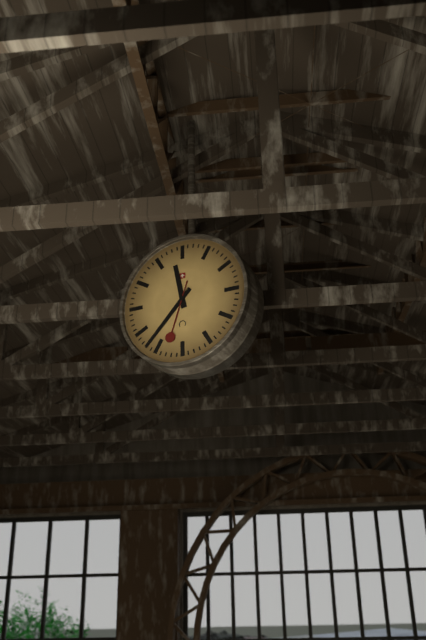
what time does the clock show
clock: 11:37:33
